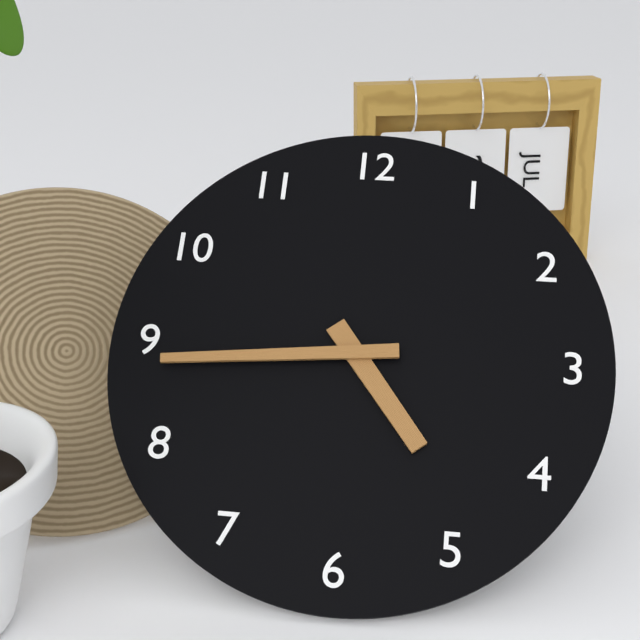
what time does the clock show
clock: 4:44
